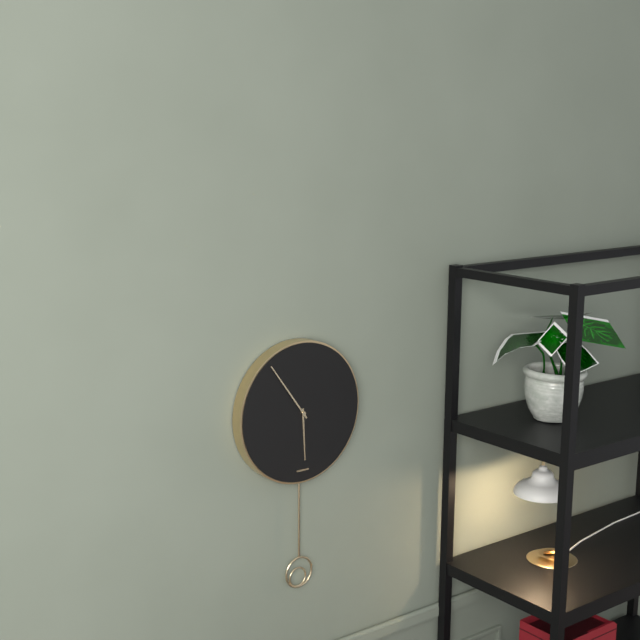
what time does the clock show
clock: 5:54
